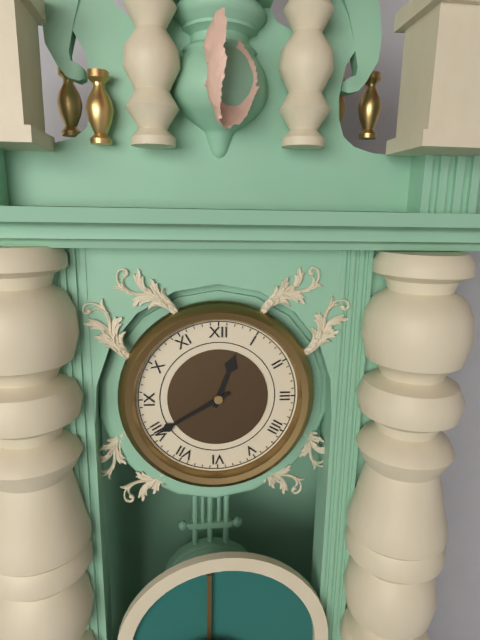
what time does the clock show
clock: 12:40
